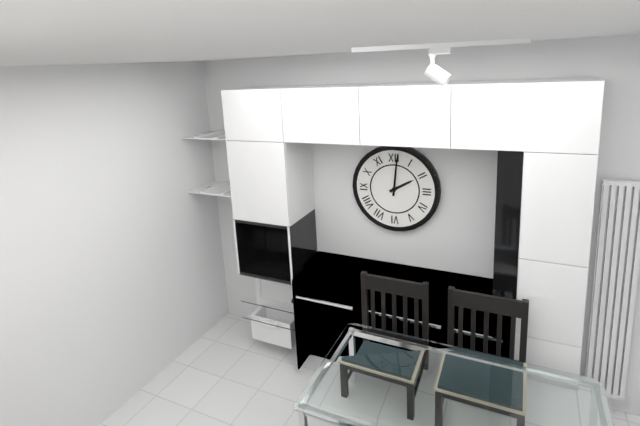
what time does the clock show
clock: 2:01
